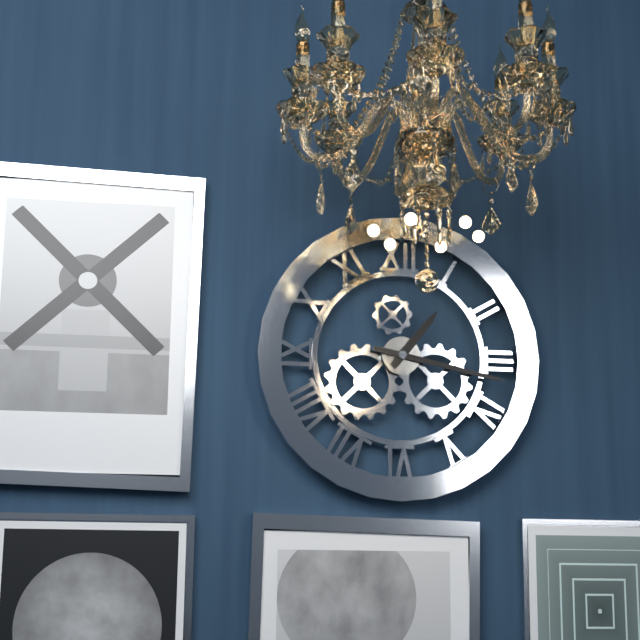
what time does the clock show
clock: 1:17
